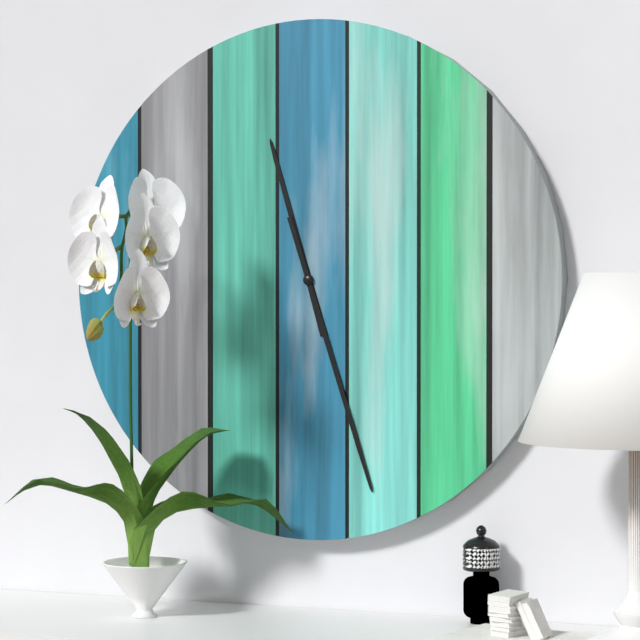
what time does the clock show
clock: 11:27
